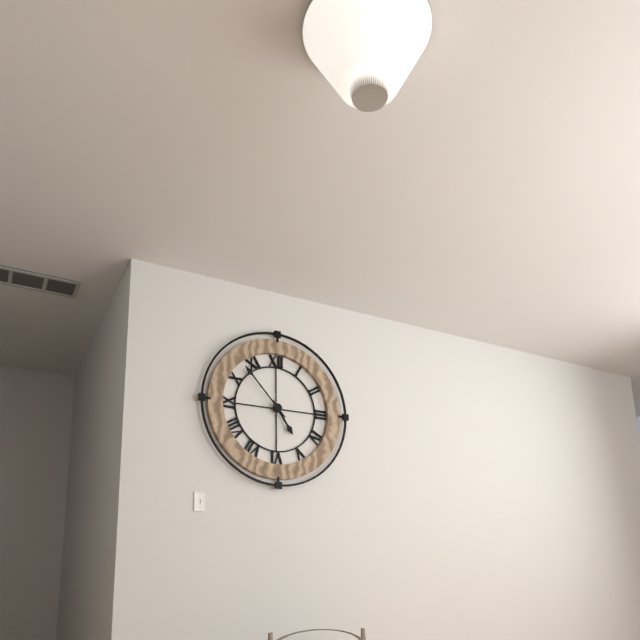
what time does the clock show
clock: 4:53
